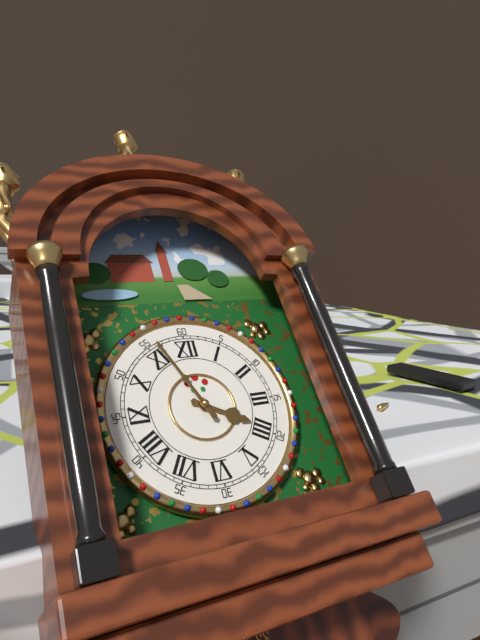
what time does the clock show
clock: 3:56
